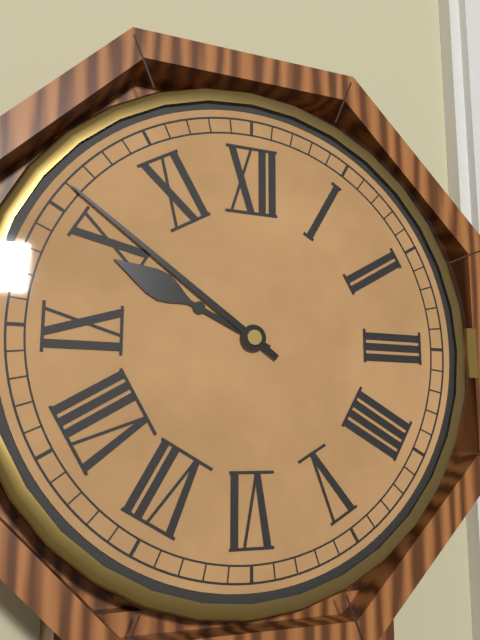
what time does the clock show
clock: 9:51
